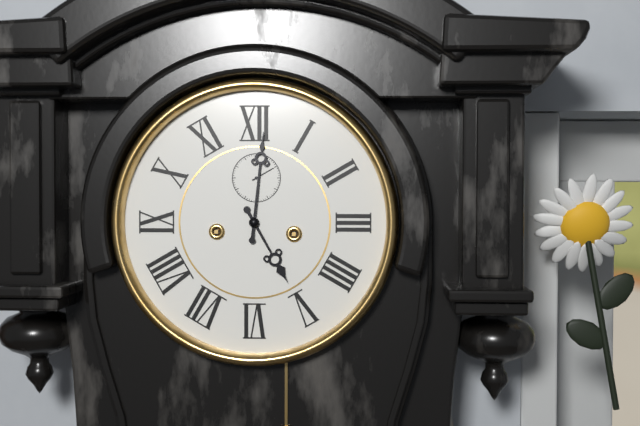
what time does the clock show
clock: 5:01
